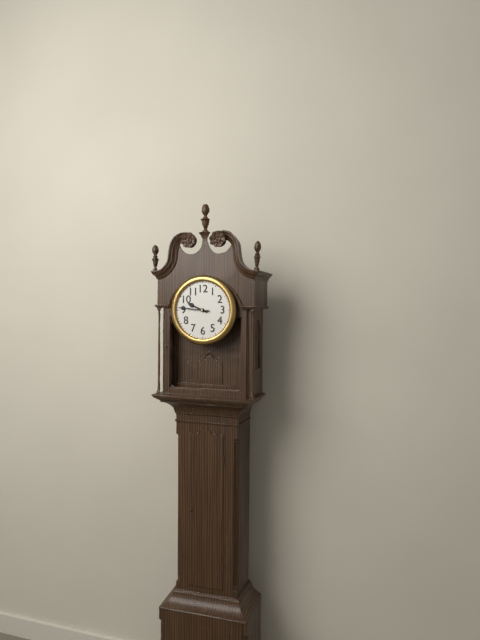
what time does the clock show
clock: 9:46
